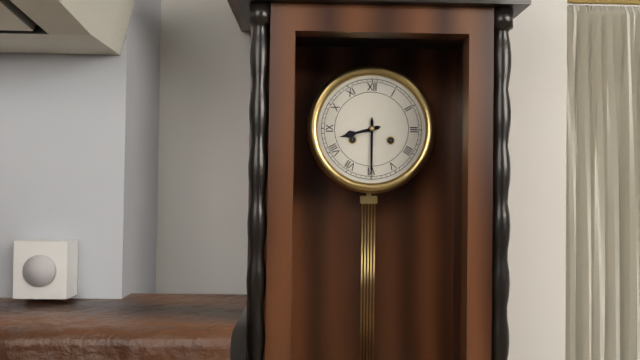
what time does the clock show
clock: 8:30
